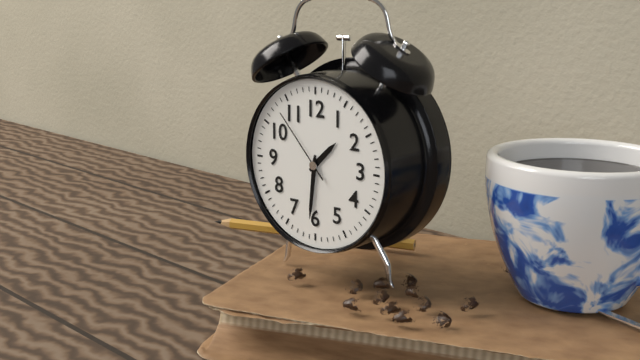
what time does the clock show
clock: 1:31:53
